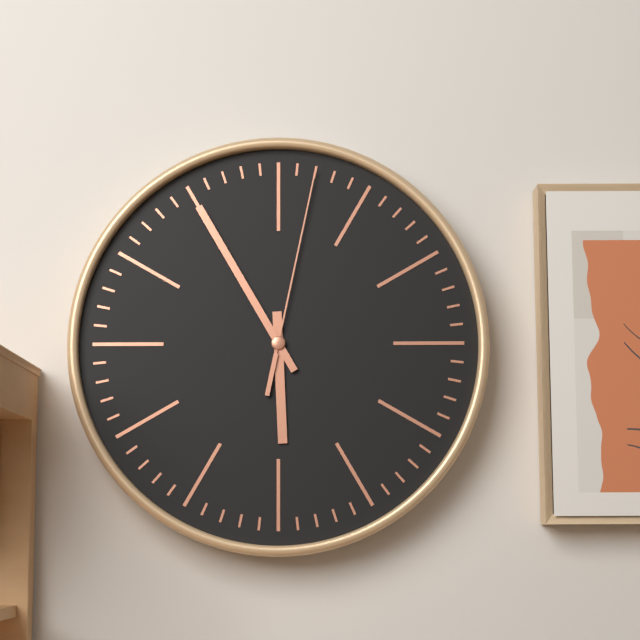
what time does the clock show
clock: 5:55:02
